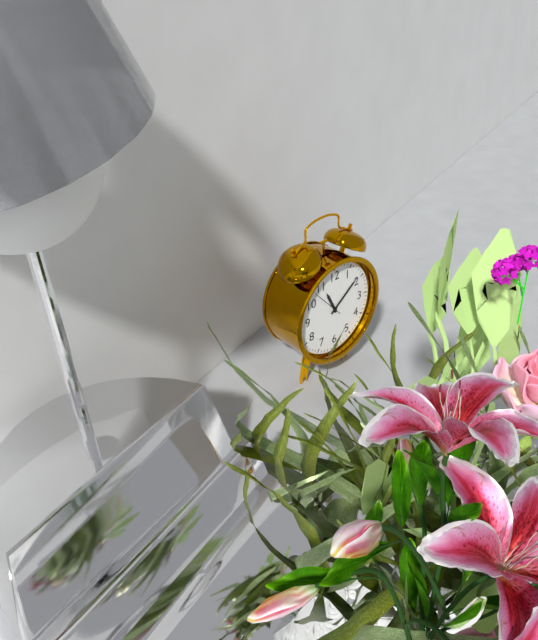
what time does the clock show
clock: 11:09
